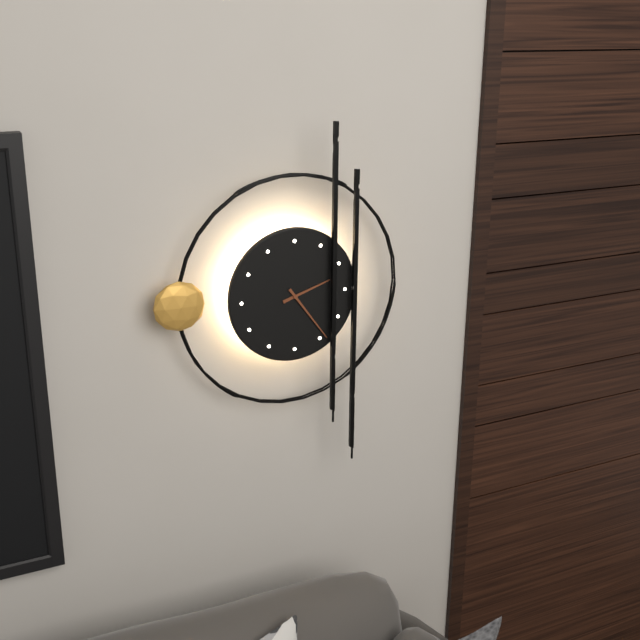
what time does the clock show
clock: 2:24
